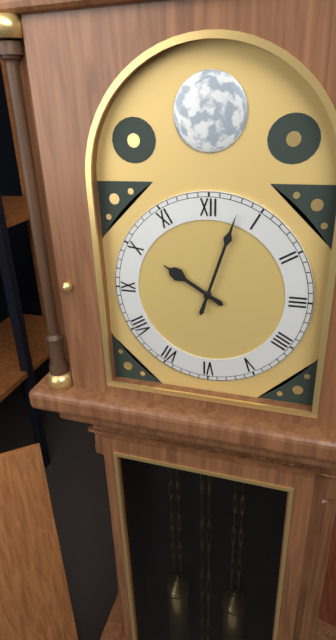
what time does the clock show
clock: 10:03
